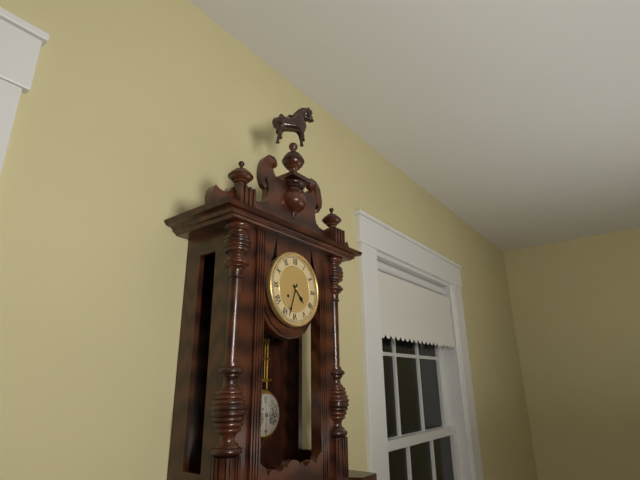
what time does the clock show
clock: 4:33
